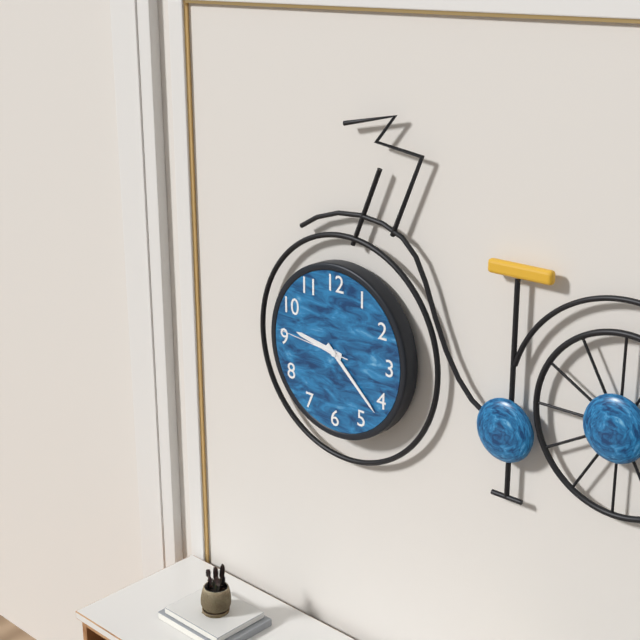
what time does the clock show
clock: 9:22:46
